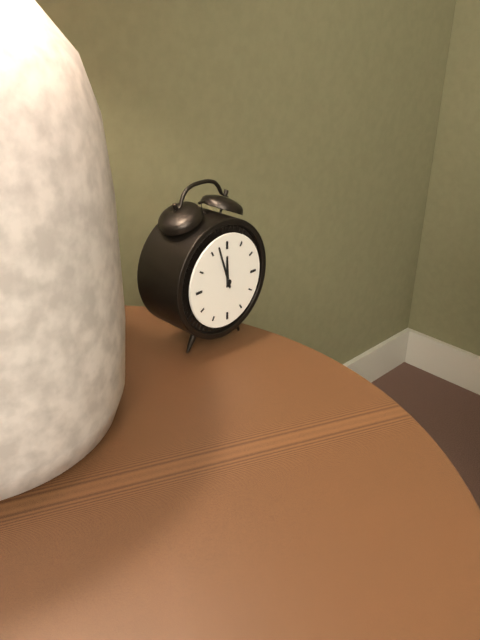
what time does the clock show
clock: 11:57
